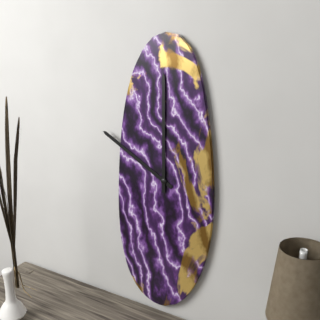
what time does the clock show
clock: 10:00
